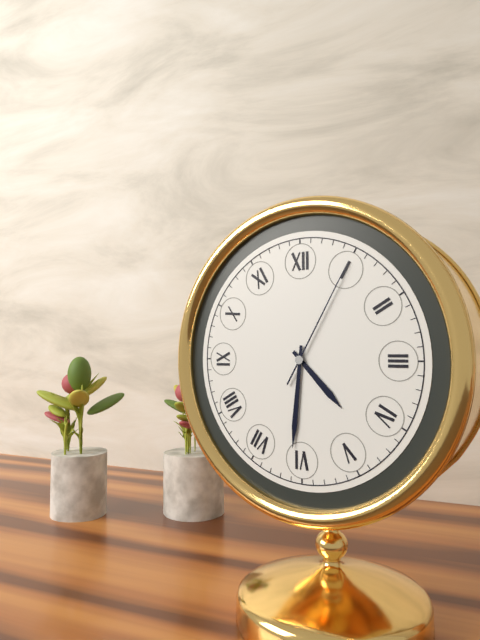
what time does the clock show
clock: 4:31:05
